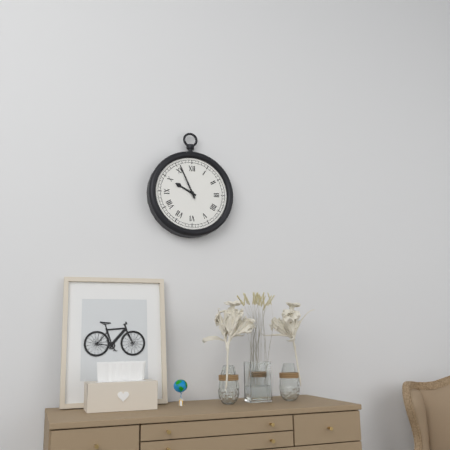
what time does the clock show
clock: 9:56
